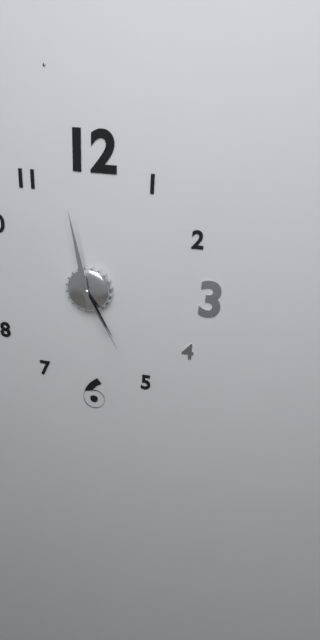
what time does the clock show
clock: 4:58:25
